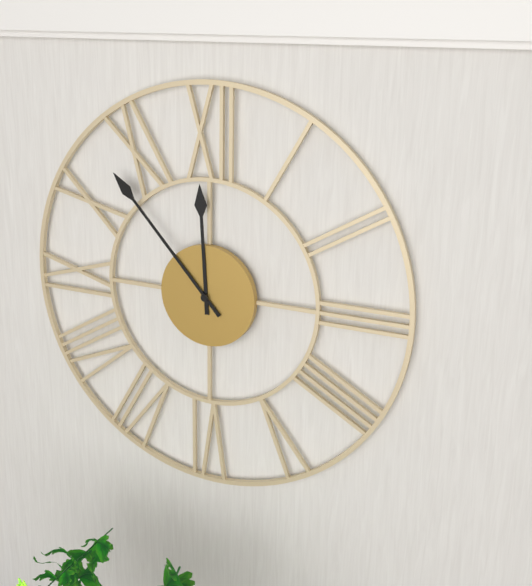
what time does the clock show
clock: 11:53
